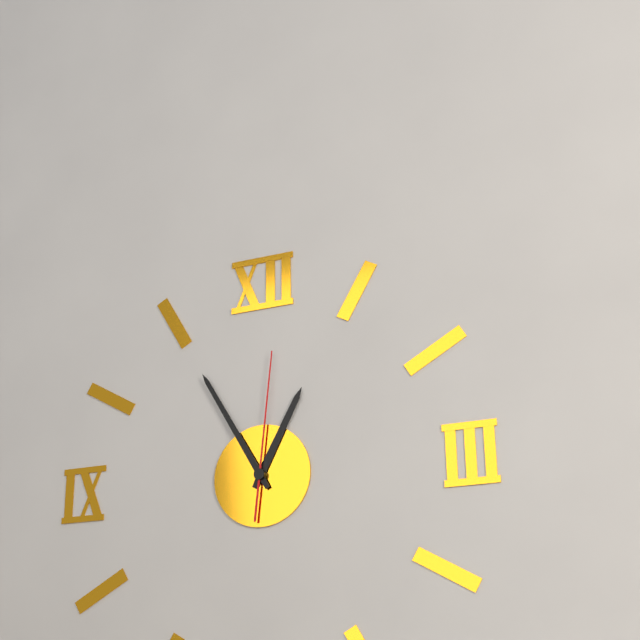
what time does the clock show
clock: 12:55:01
